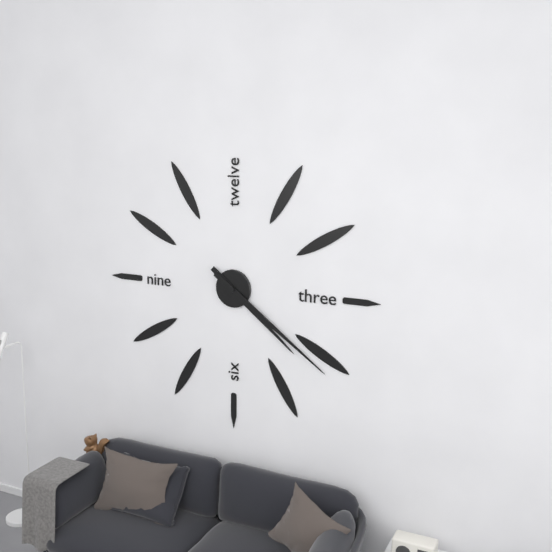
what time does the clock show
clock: 4:21
